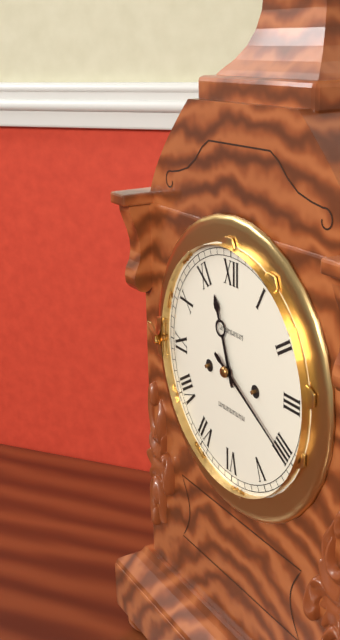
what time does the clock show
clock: 11:20
